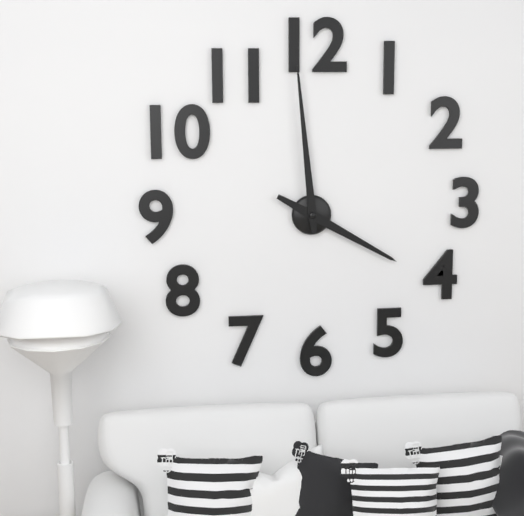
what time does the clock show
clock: 3:59
